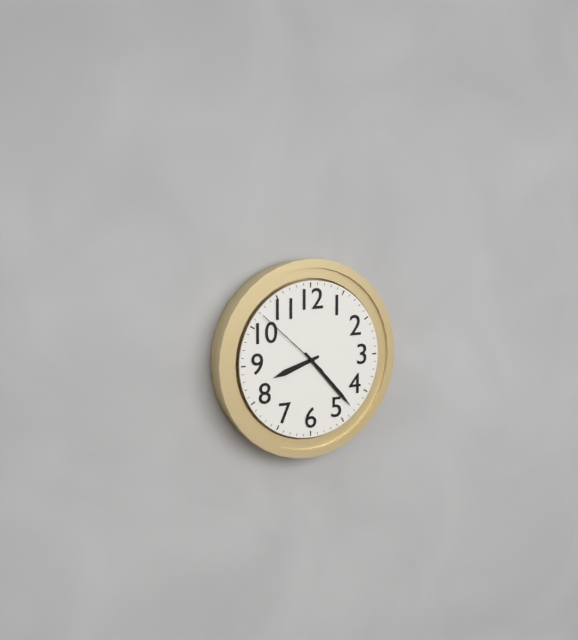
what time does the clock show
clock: 8:23:52
